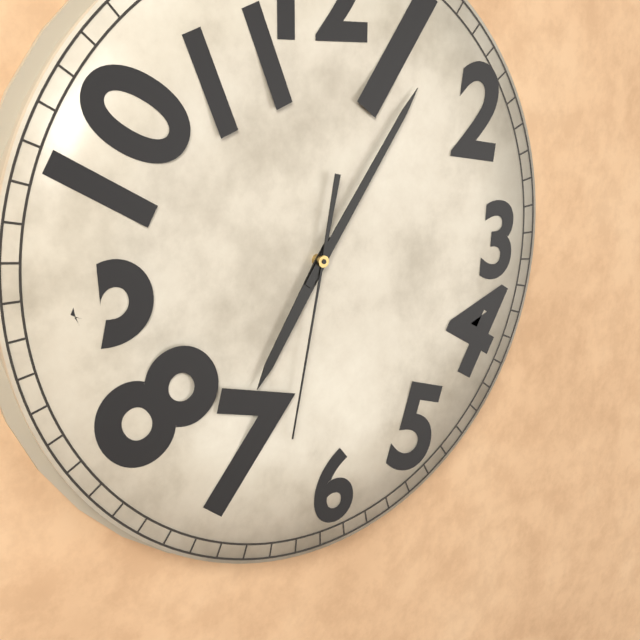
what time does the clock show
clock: 7:06:32
